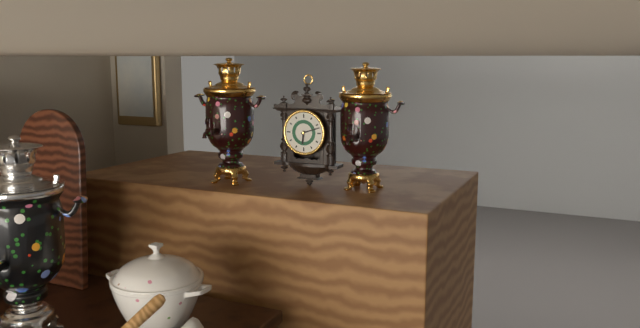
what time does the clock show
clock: 6:12
